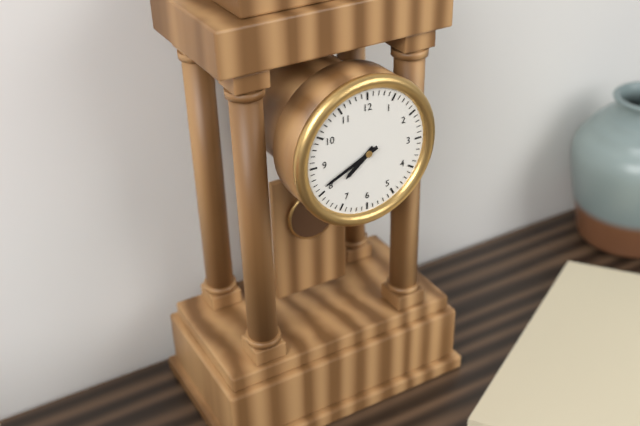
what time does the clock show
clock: 7:41
